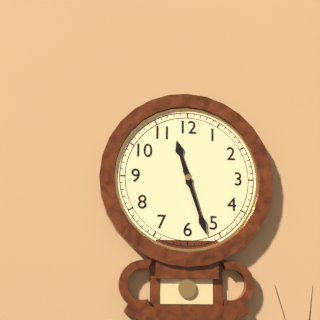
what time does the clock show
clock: 11:27
